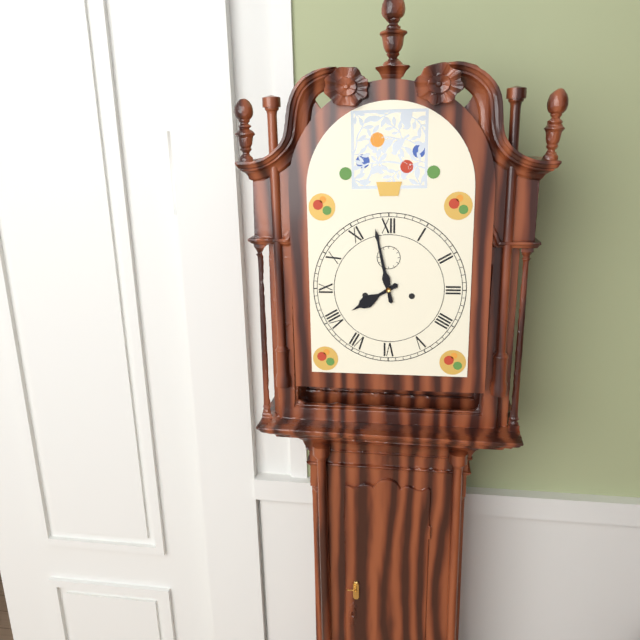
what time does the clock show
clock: 7:58
